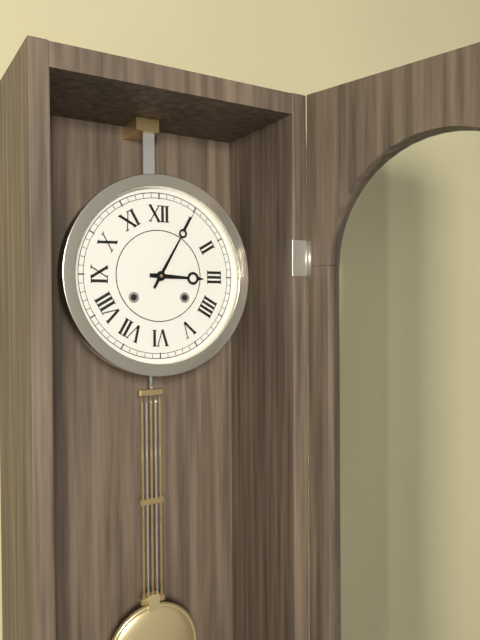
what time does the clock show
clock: 3:05
